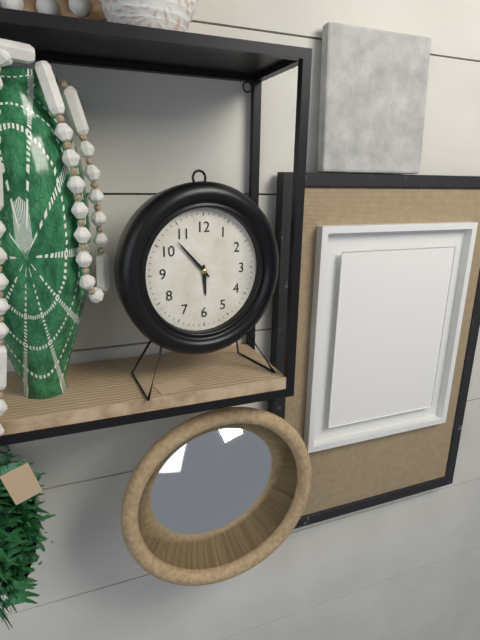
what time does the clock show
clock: 5:53
